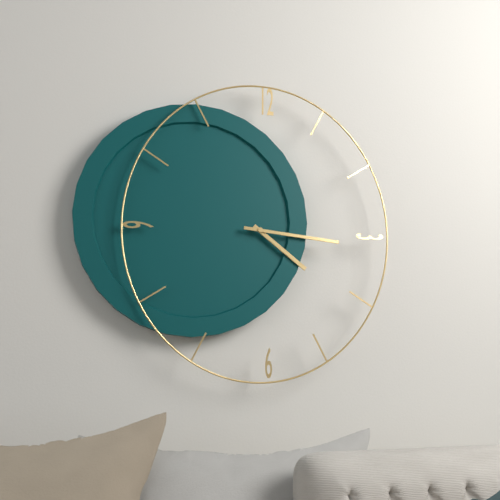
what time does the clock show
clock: 4:16
